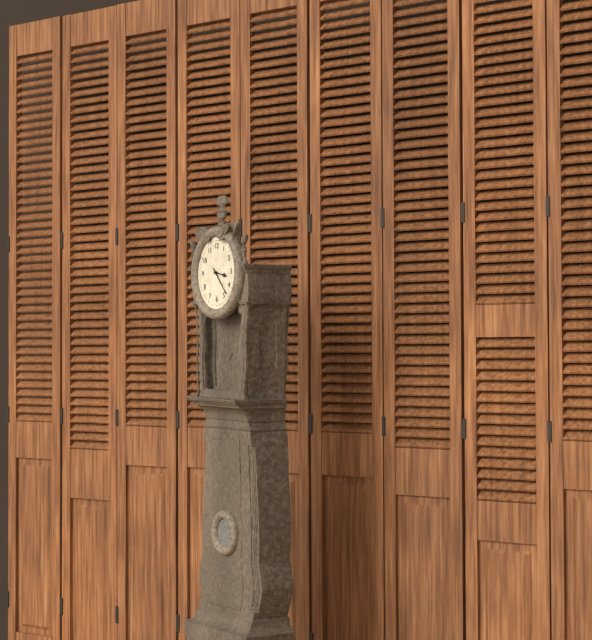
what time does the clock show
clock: 3:23
